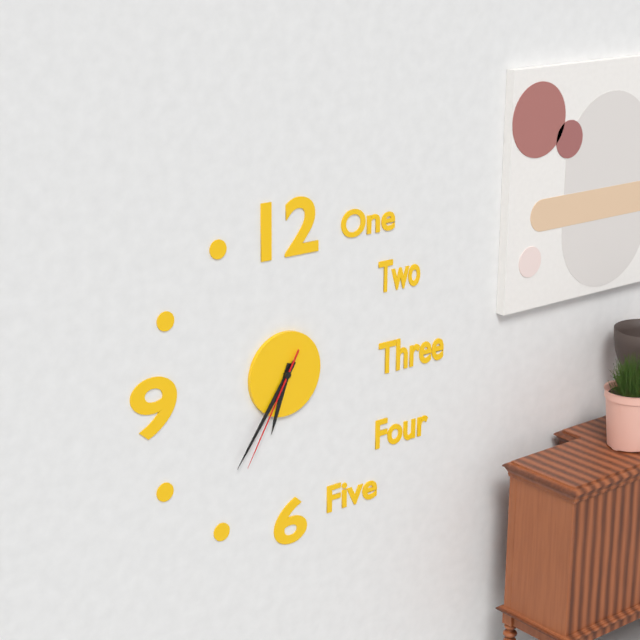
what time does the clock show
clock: 6:36:35
